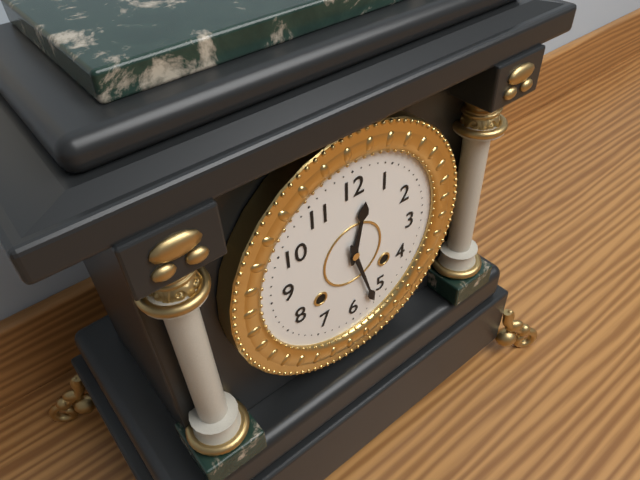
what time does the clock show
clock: 12:27
